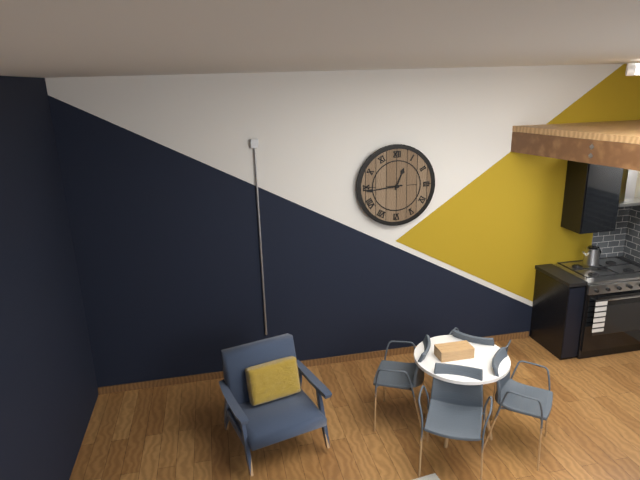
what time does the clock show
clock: 12:44
